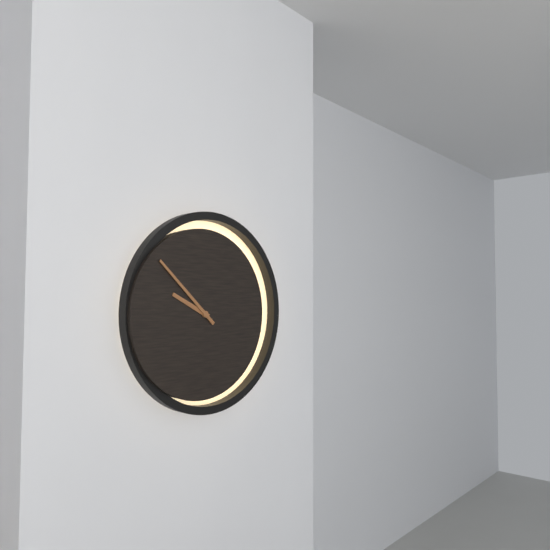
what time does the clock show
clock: 9:52
